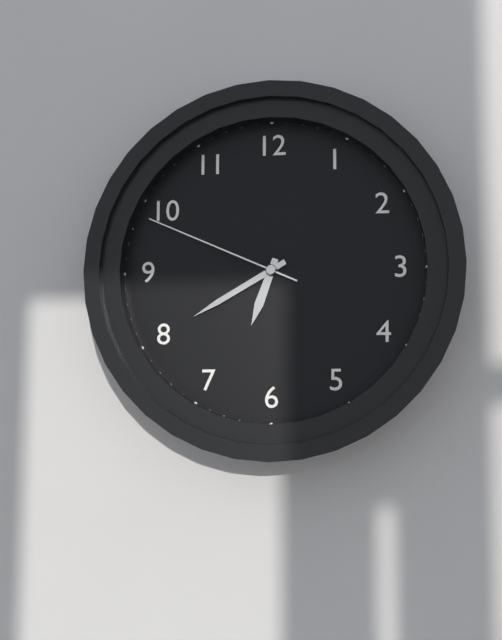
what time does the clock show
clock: 6:40:49
